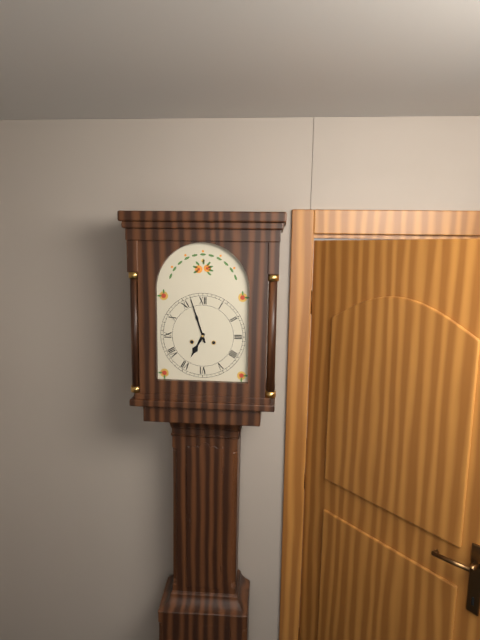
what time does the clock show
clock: 6:57
